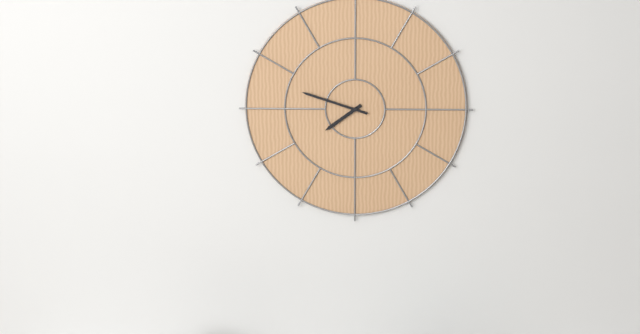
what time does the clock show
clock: 7:48
